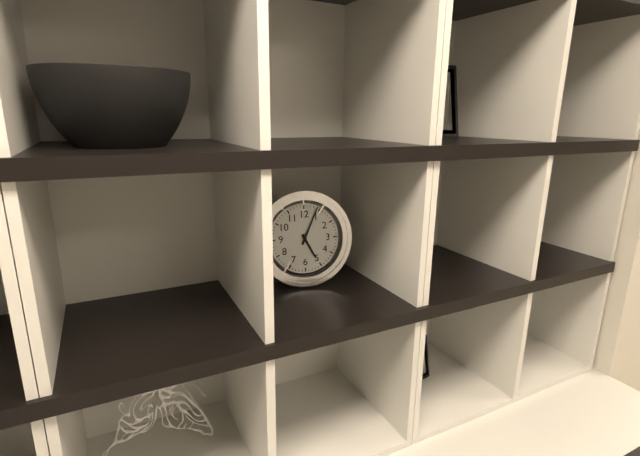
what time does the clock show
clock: 5:04
